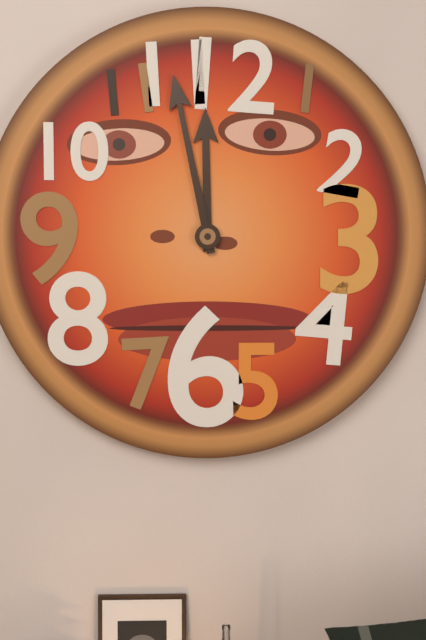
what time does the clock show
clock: 11:58
